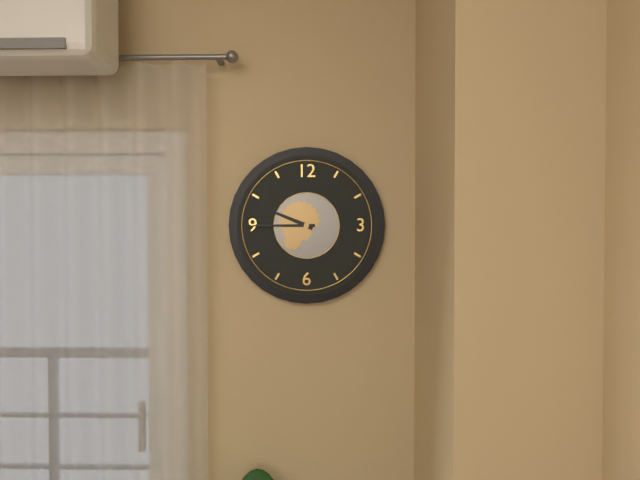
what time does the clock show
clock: 9:45
